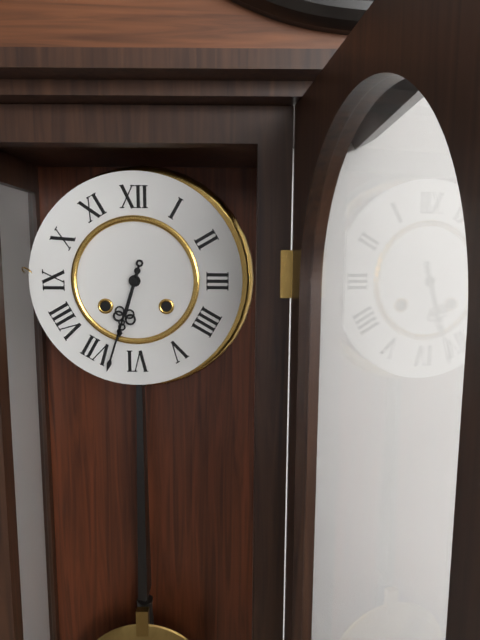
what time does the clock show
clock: 6:33
